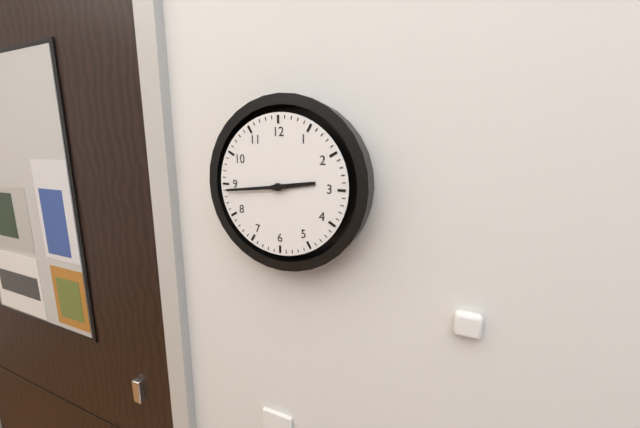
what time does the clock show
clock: 2:44
